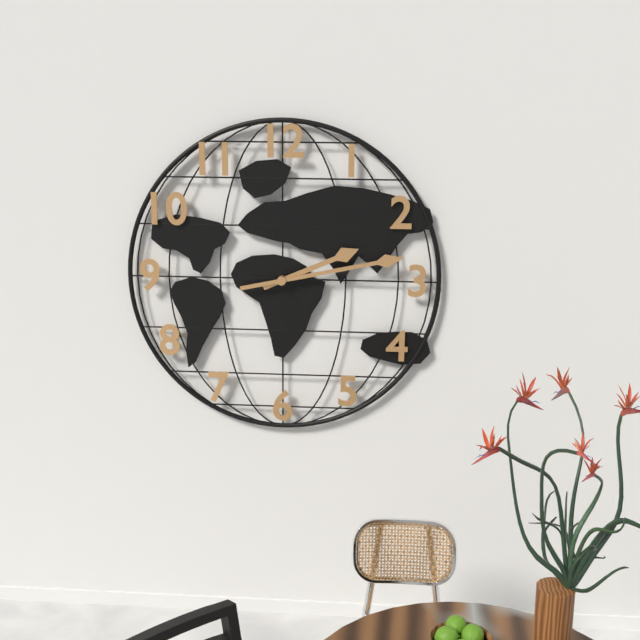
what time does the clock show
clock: 2:13
